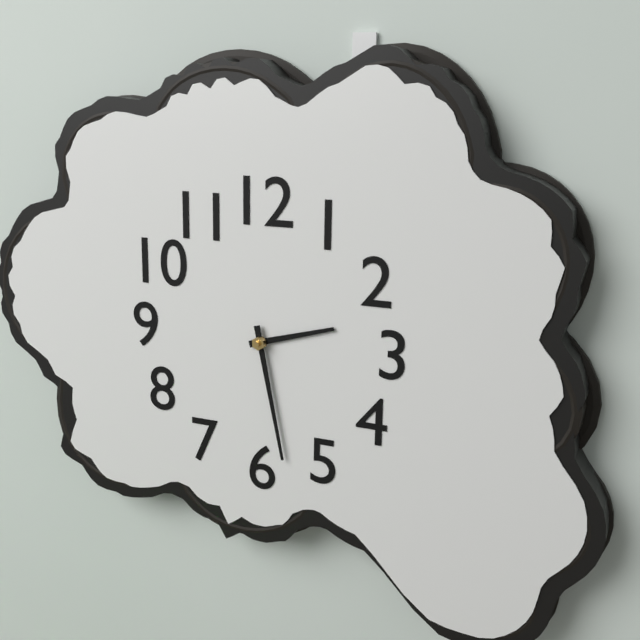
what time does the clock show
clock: 2:28
